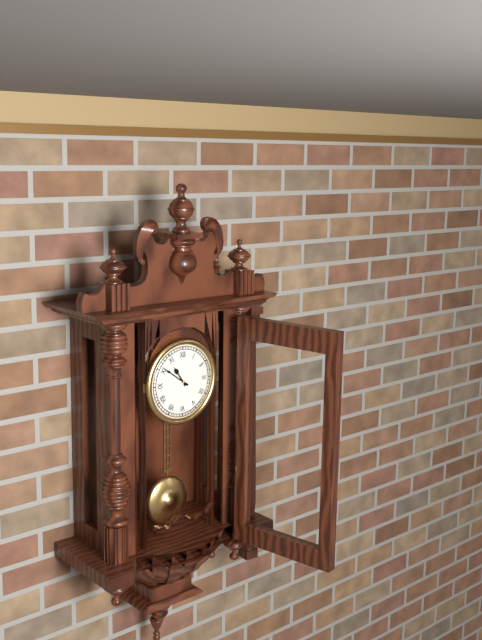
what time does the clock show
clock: 10:51
